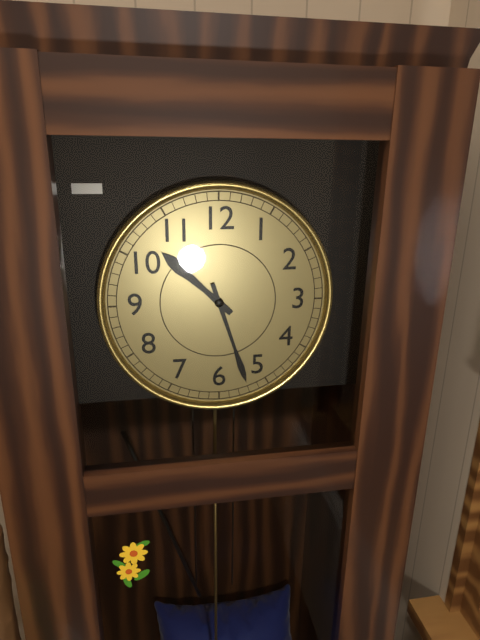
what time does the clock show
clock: 10:27
